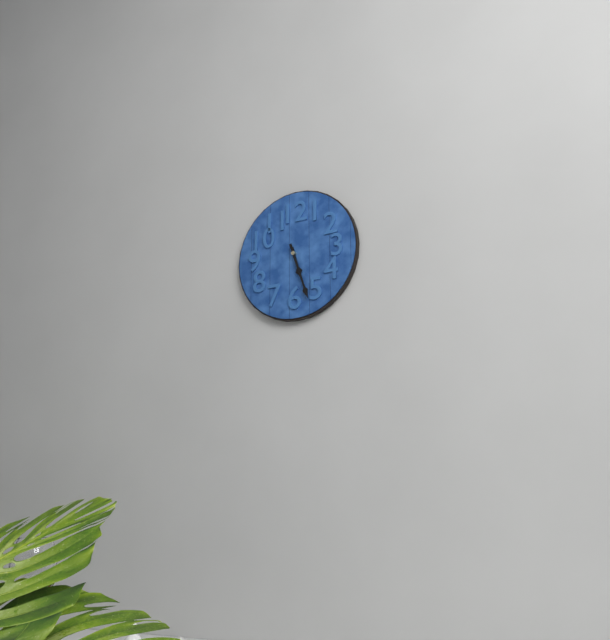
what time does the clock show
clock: 5:27
